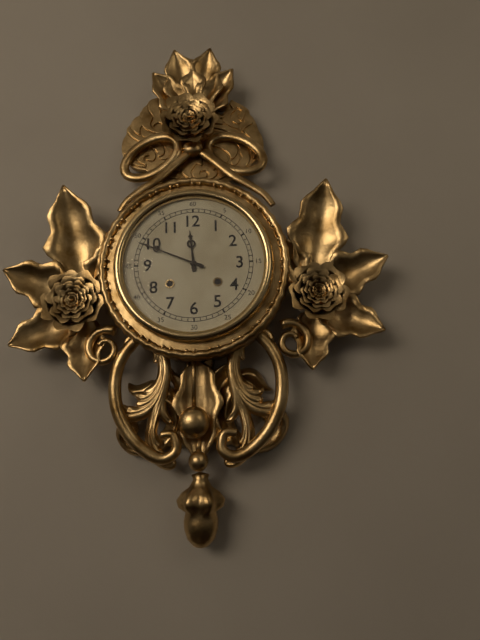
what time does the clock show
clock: 11:49
